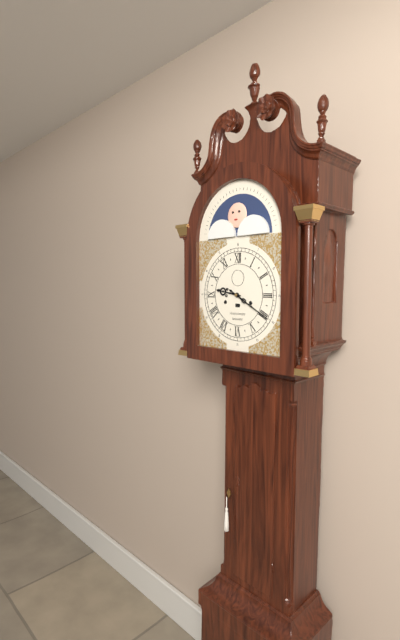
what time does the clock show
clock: 9:20
